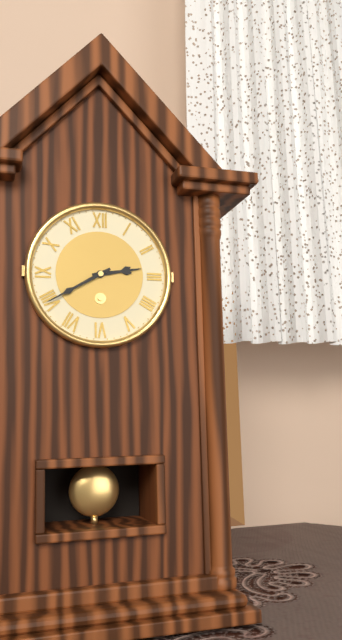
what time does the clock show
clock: 2:40
